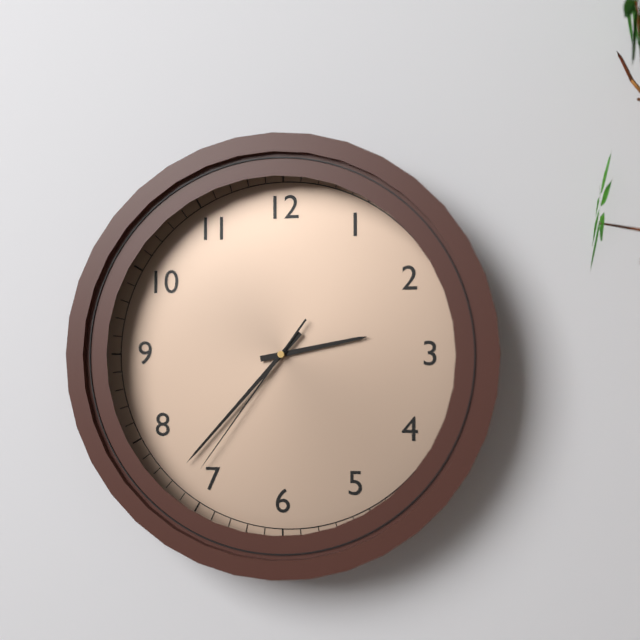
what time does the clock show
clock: 2:37:36
